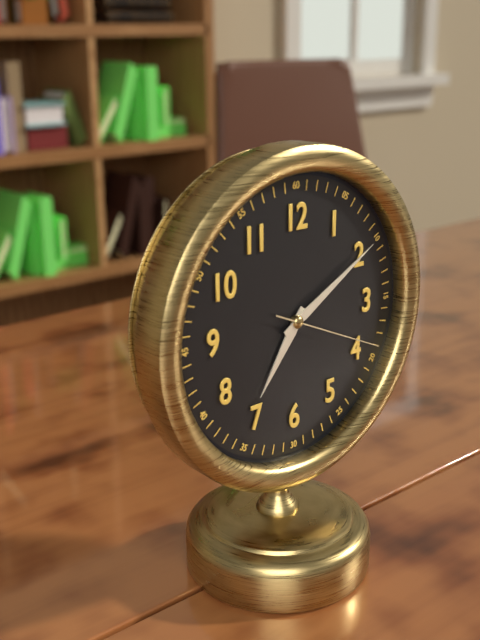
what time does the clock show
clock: 7:10:19
